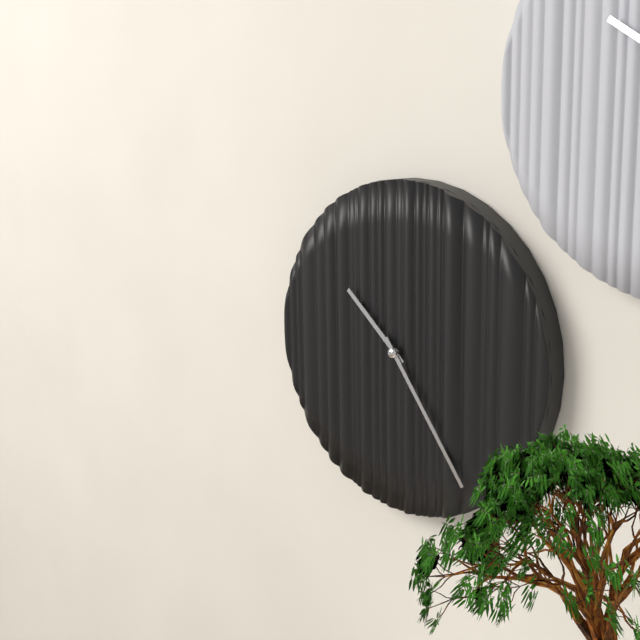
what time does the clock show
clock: 10:24
